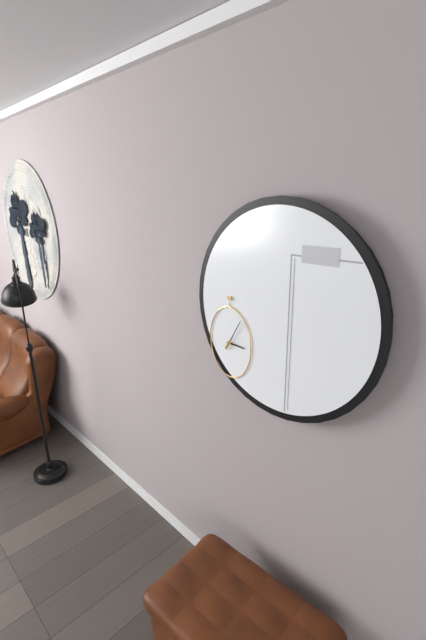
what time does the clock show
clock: 3:05
